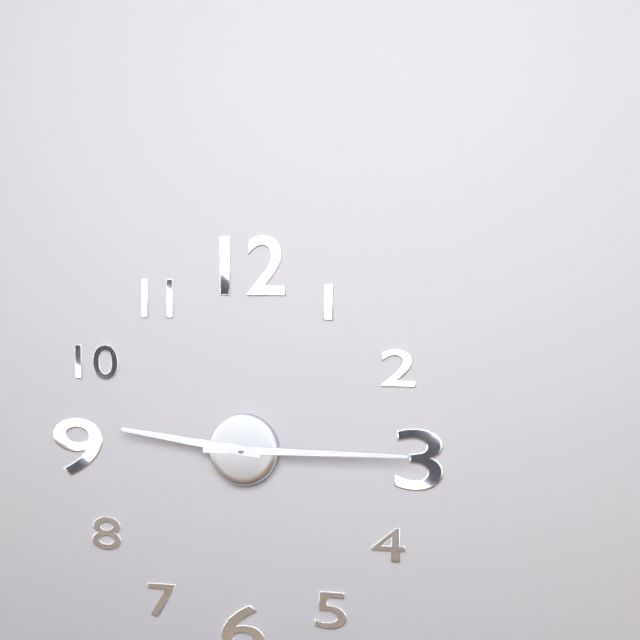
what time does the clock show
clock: 9:15
